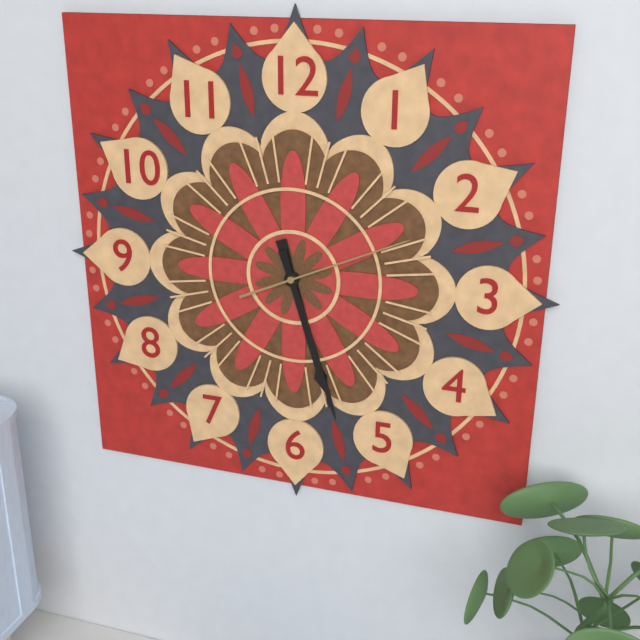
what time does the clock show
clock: 5:27:11
